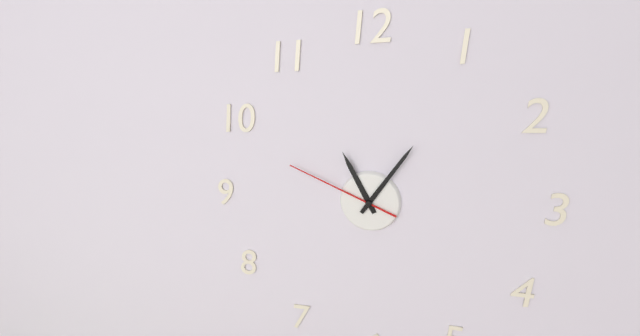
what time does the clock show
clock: 11:06:49
